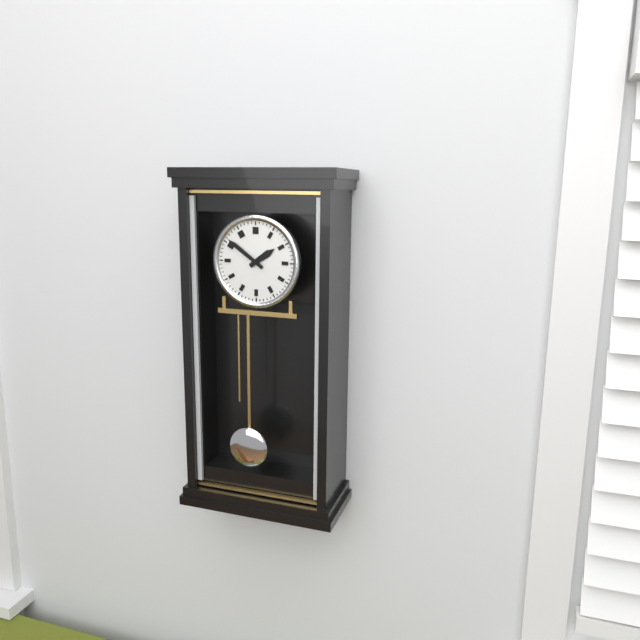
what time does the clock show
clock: 1:51
